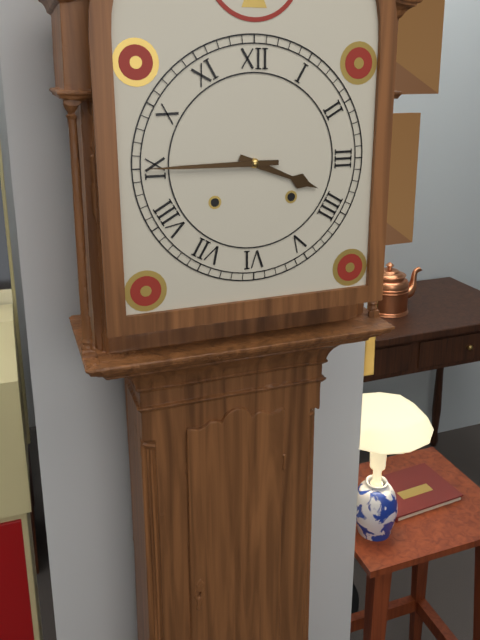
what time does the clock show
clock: 3:45
